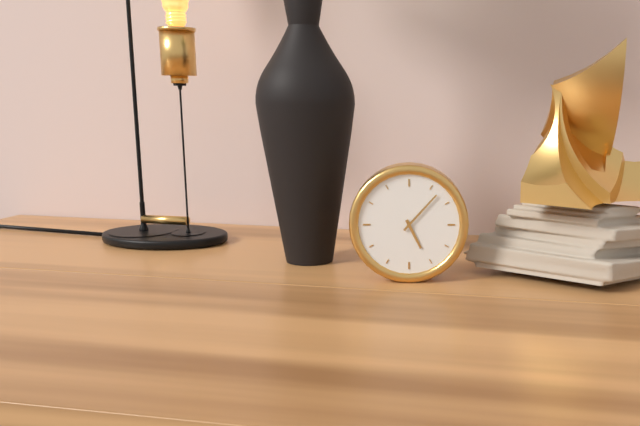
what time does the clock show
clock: 5:07
